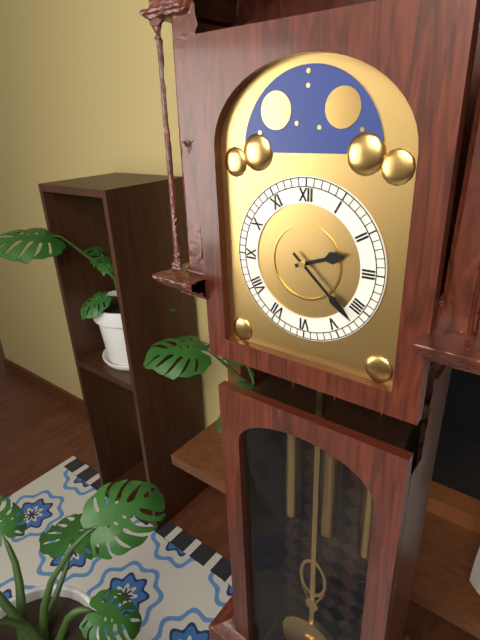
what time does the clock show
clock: 2:22
